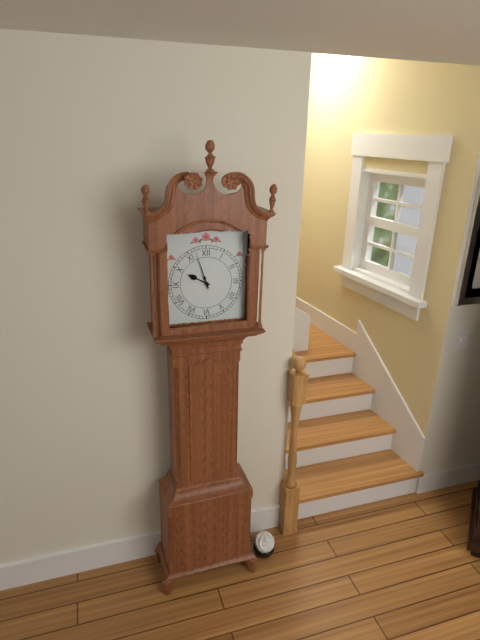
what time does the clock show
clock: 9:57
